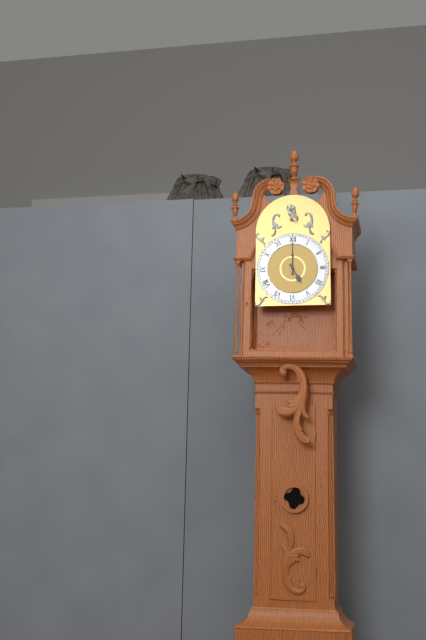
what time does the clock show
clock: 5:00
